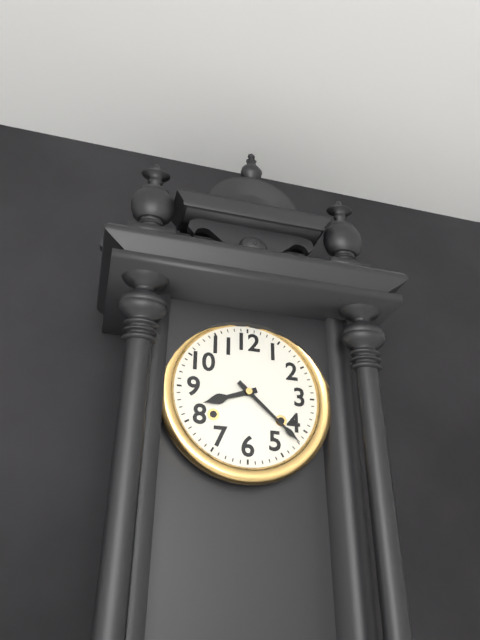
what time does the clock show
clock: 8:22
